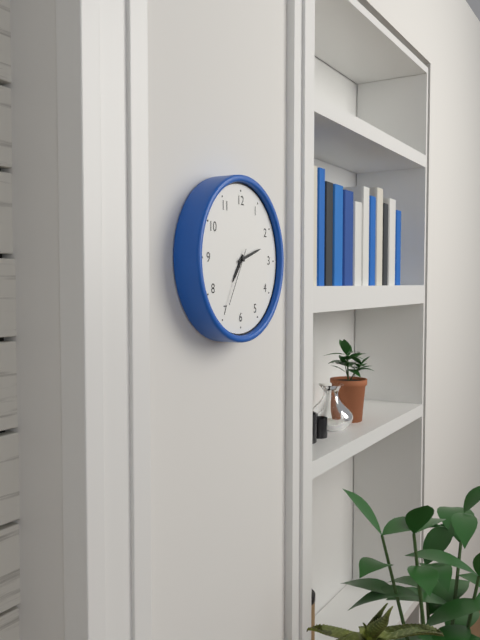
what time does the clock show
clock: 7:12:35
